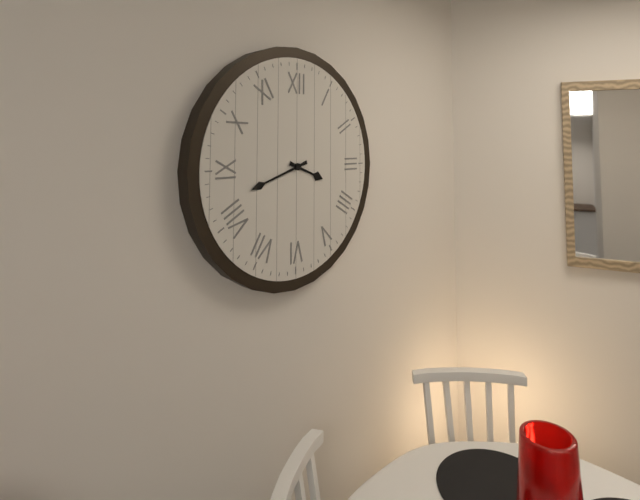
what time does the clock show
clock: 3:42
